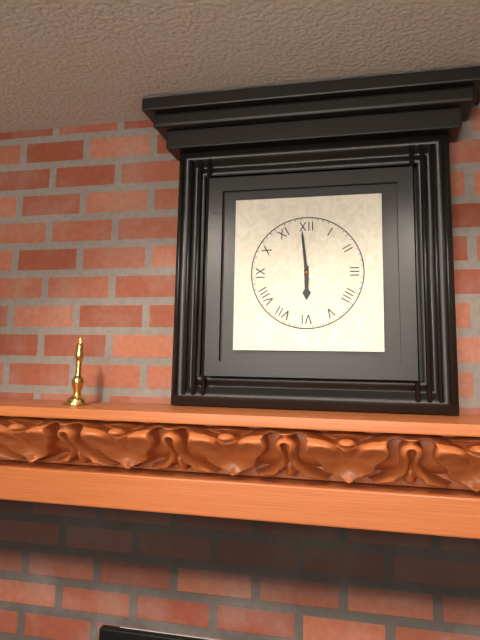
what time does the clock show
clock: 5:59
